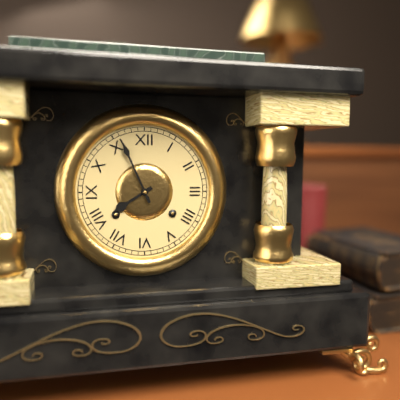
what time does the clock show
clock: 7:56
